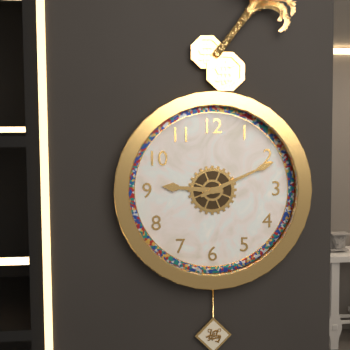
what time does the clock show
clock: 9:11
